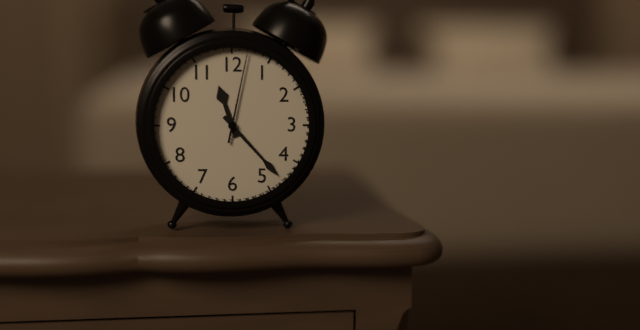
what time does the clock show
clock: 11:23:02
